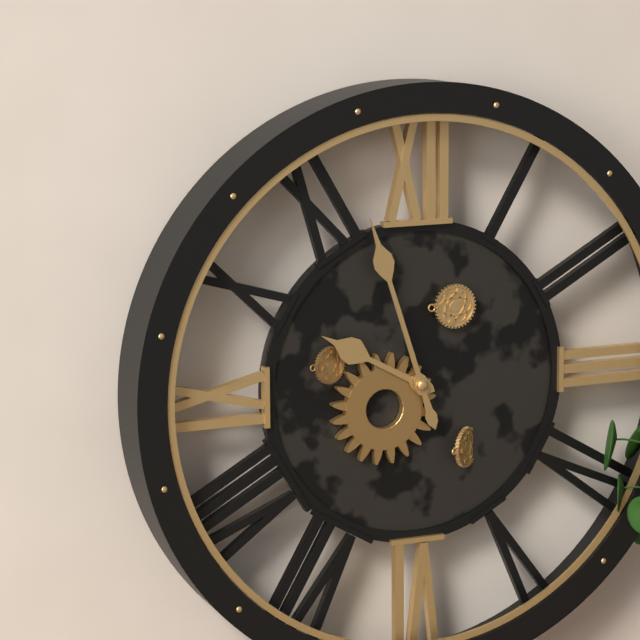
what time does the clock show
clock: 9:57
